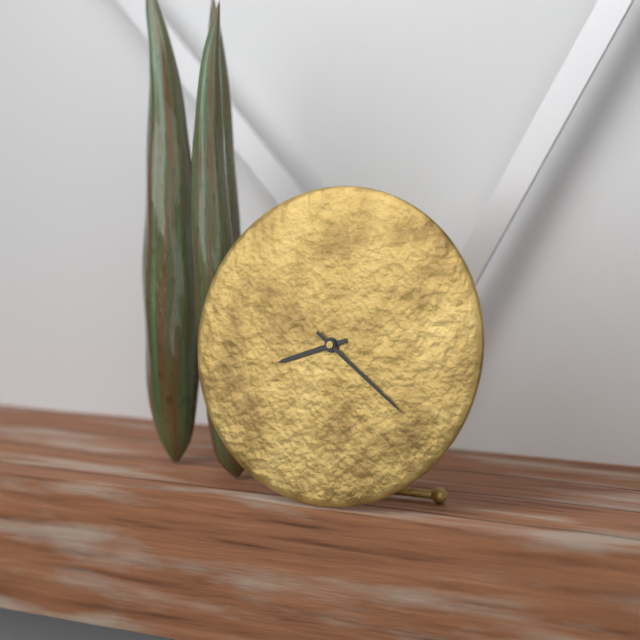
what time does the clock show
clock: 8:21
